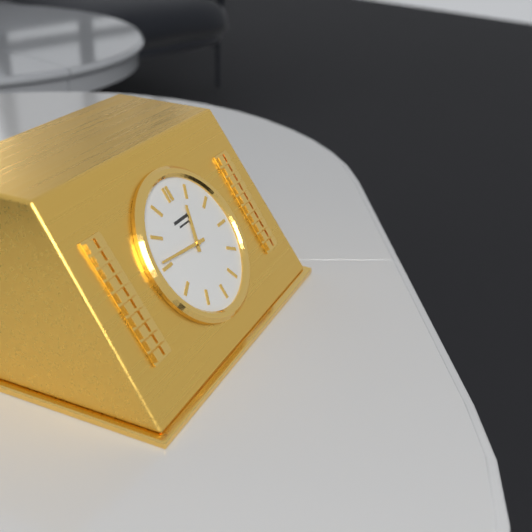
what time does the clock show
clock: 12:46
